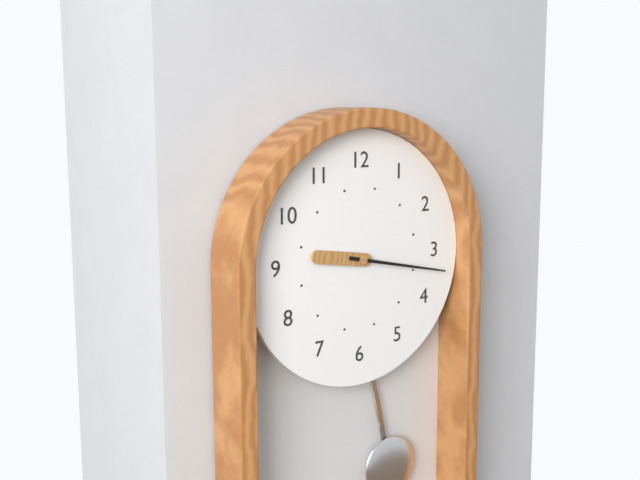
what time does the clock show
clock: 9:17
